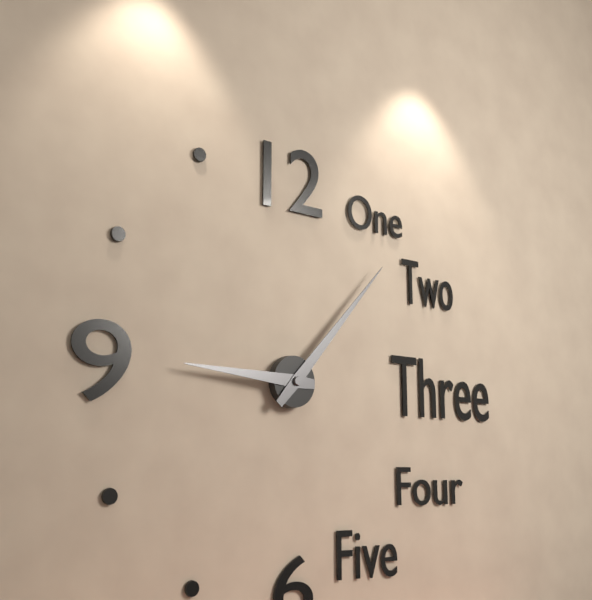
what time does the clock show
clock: 9:07
